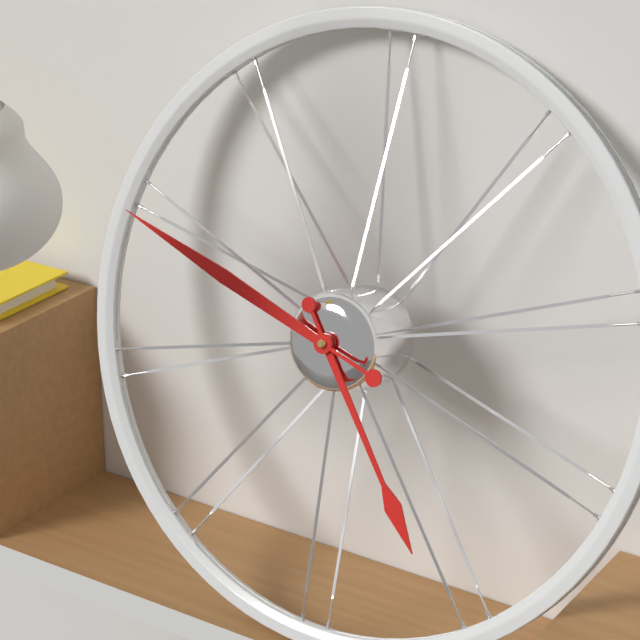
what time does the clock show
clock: 4:48
